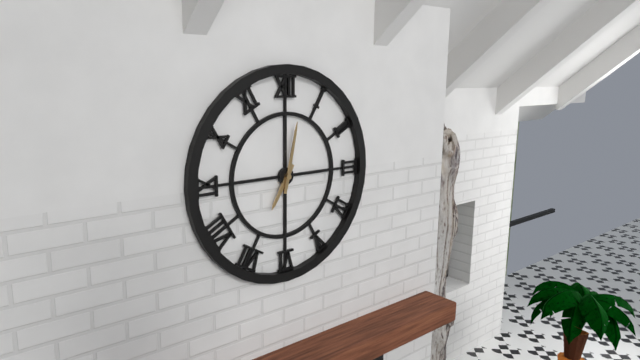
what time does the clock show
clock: 7:02
